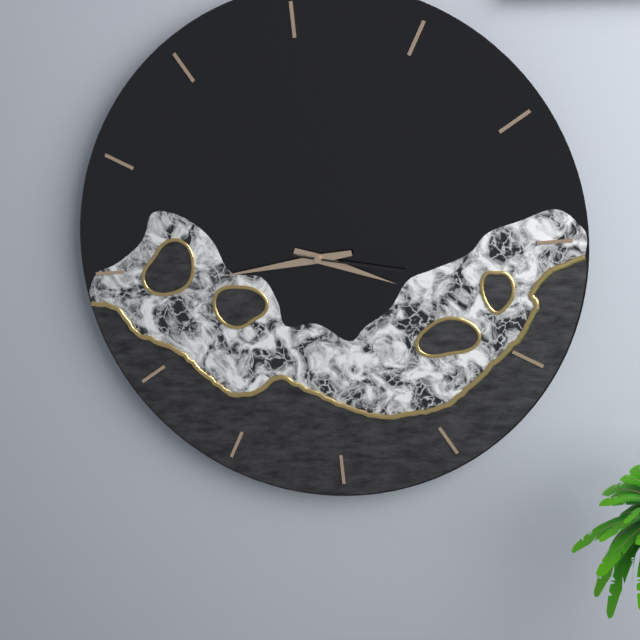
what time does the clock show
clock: 3:44:17
